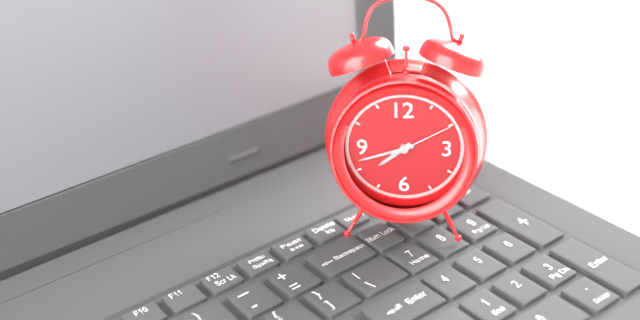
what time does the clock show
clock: 7:42:10
